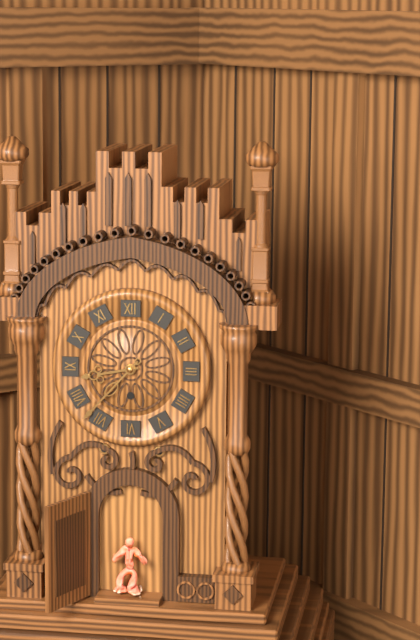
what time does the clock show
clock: 8:37
